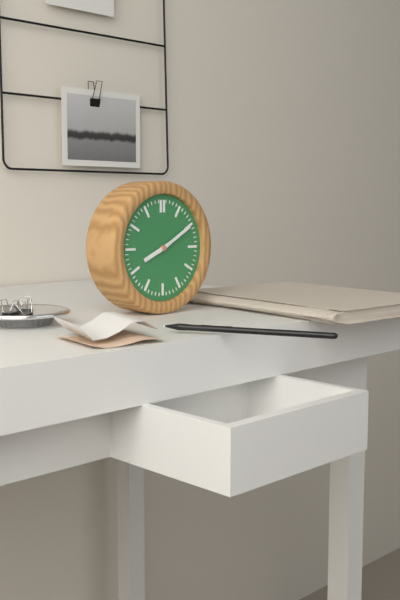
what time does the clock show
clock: 8:10
